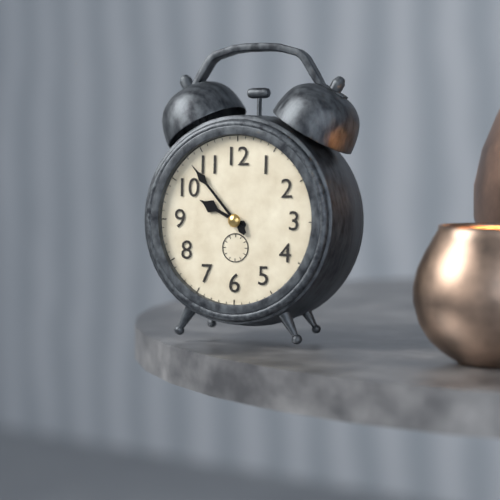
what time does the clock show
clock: 9:53
